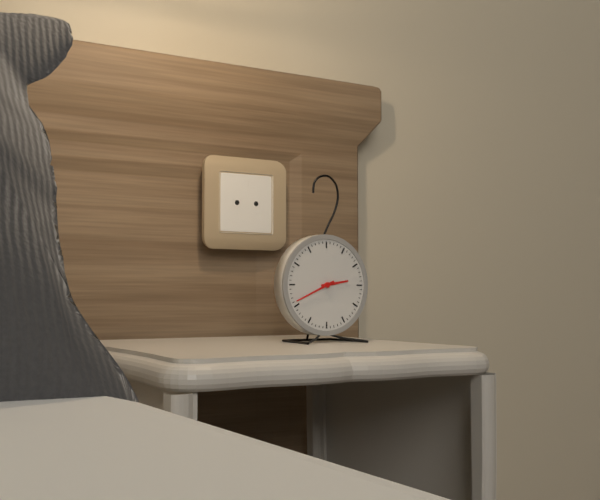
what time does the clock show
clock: 2:41
